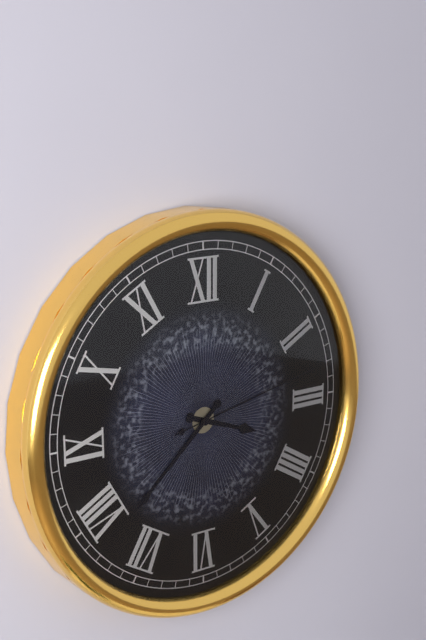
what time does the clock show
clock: 3:38:13
